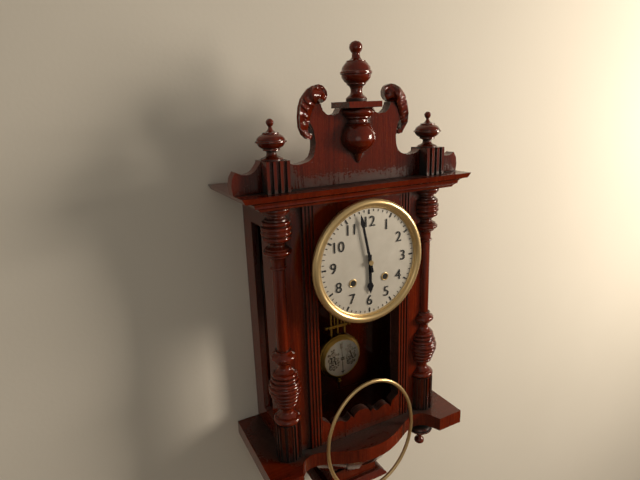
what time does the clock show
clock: 5:58
